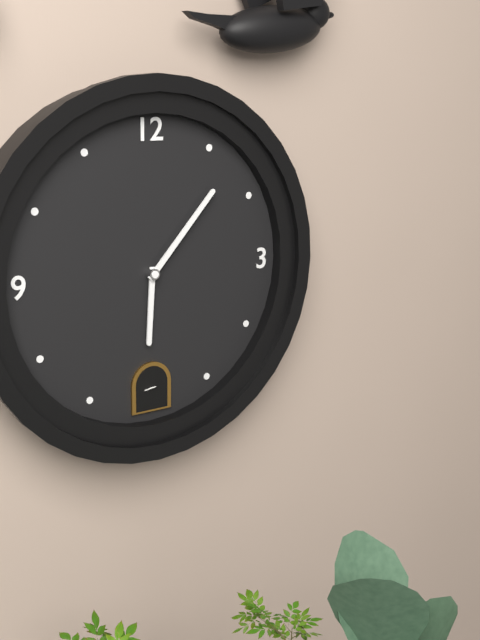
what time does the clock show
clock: 6:07
